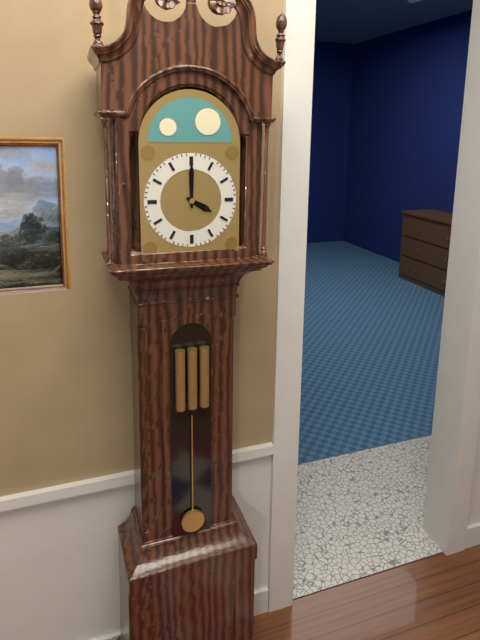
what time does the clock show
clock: 4:00
